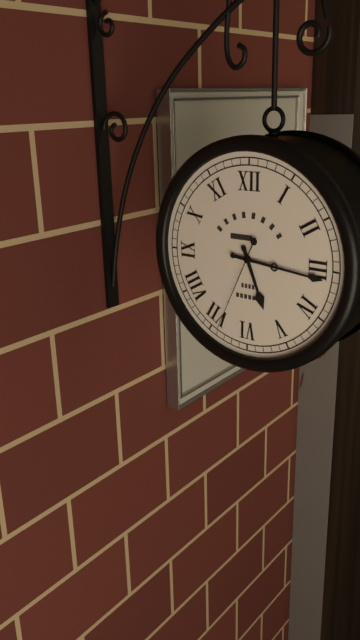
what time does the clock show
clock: 5:16:34
